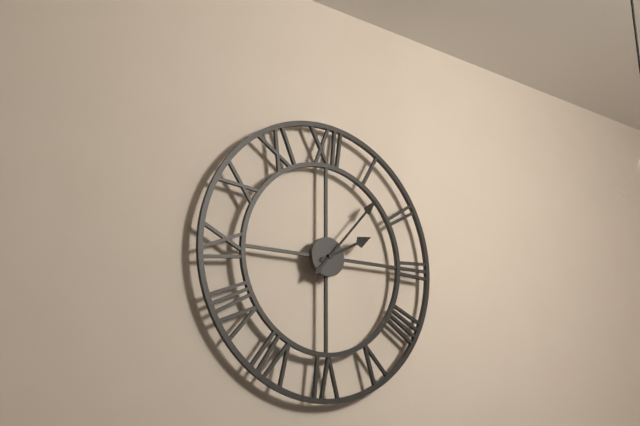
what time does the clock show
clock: 2:07
